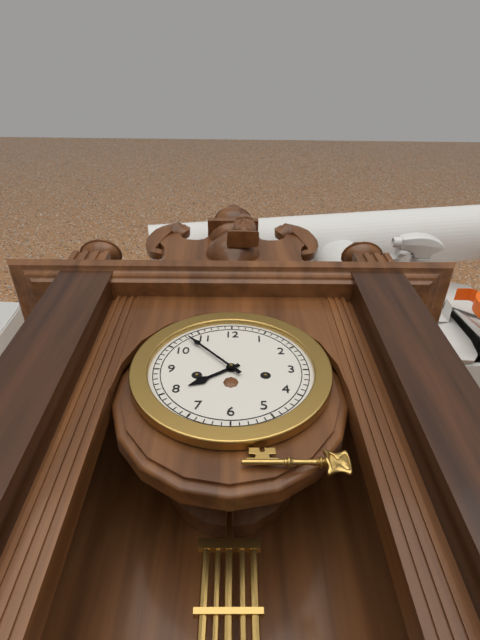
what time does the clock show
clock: 7:53
